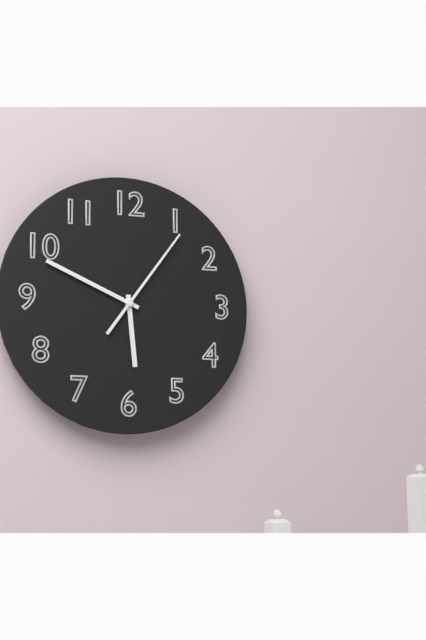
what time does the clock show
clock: 5:49:06
